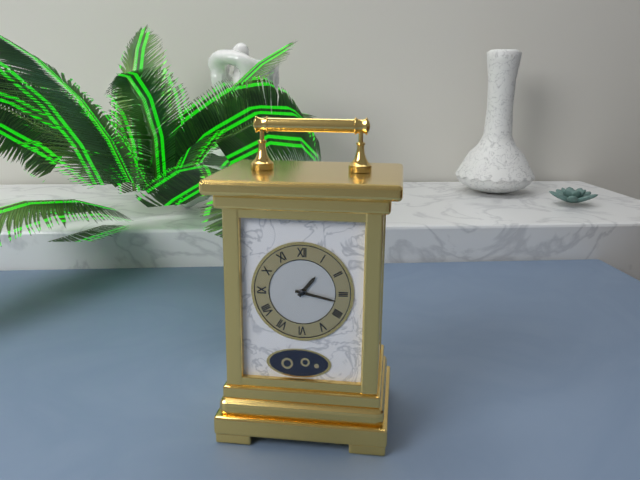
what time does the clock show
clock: 1:17
